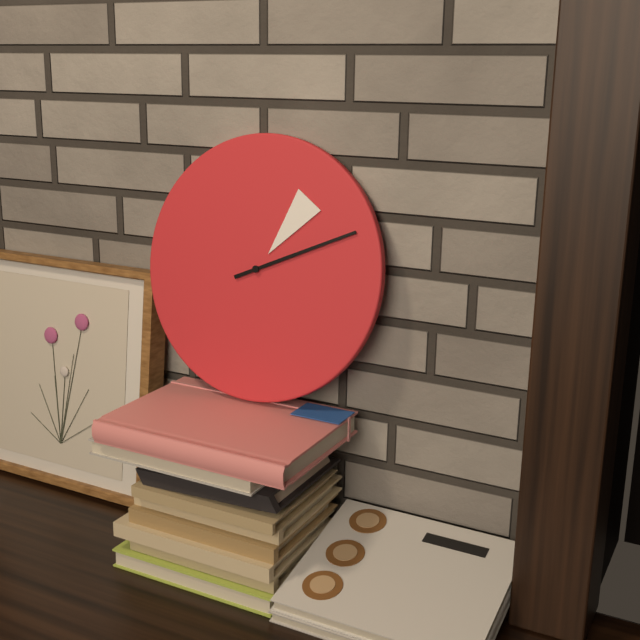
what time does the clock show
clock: 1:11
